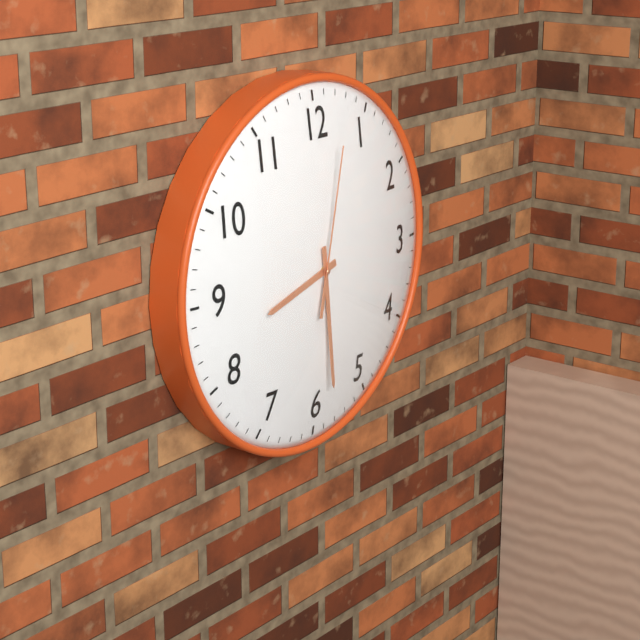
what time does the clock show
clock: 8:29:02
